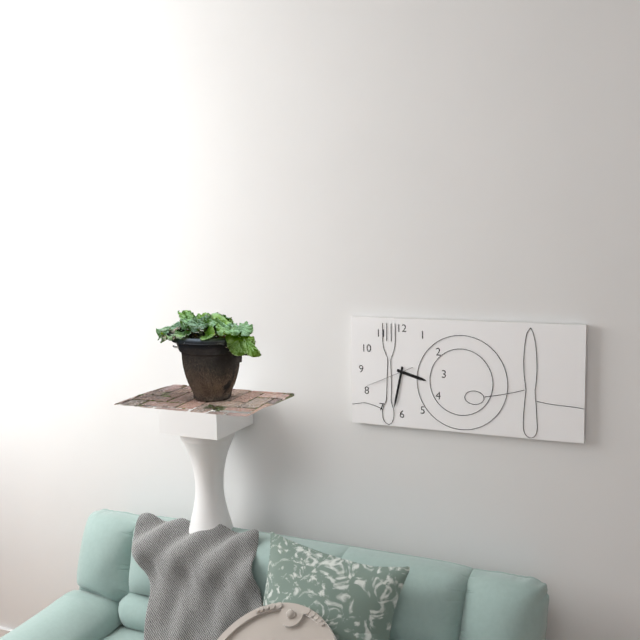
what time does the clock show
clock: 3:32
